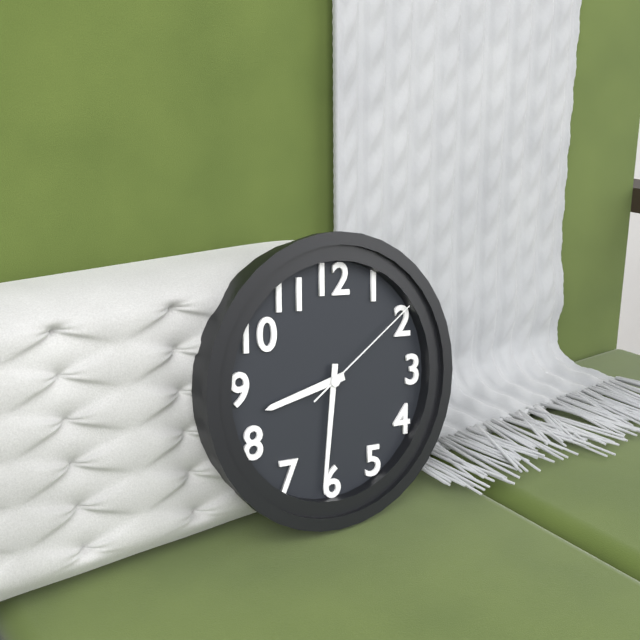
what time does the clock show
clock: 8:31:09
